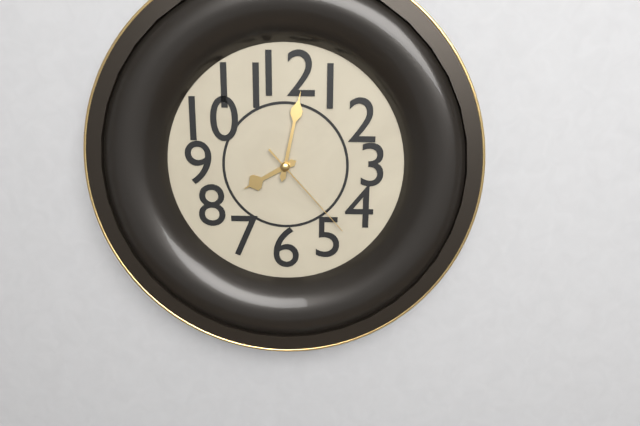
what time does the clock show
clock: 8:02:23
